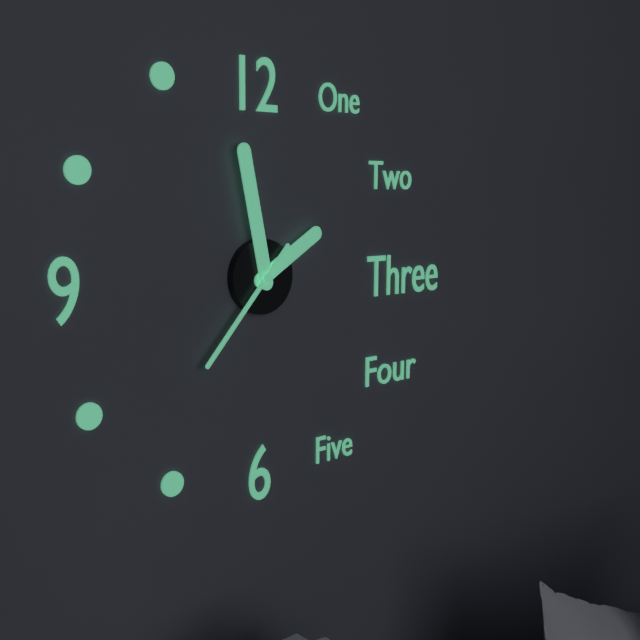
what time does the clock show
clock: 1:58:37
